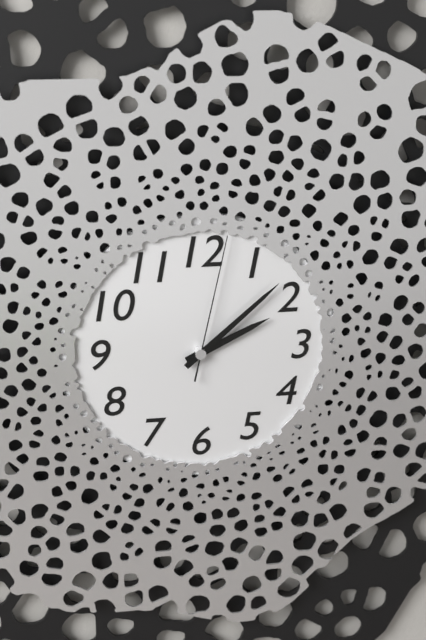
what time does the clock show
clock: 2:08:02
